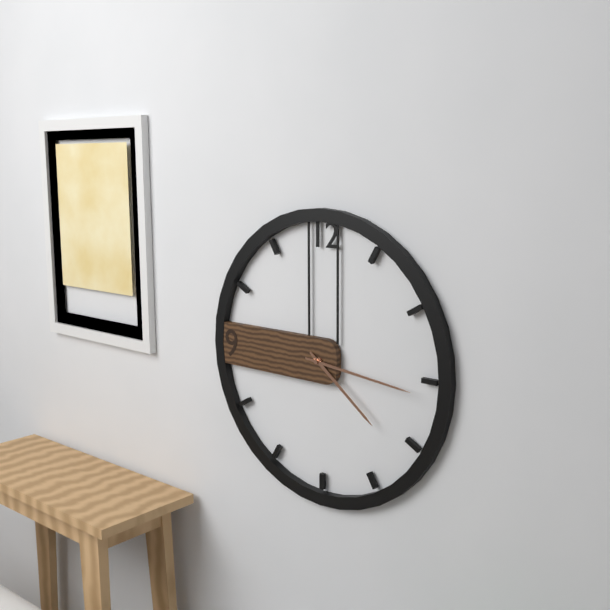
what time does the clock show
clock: 4:16
